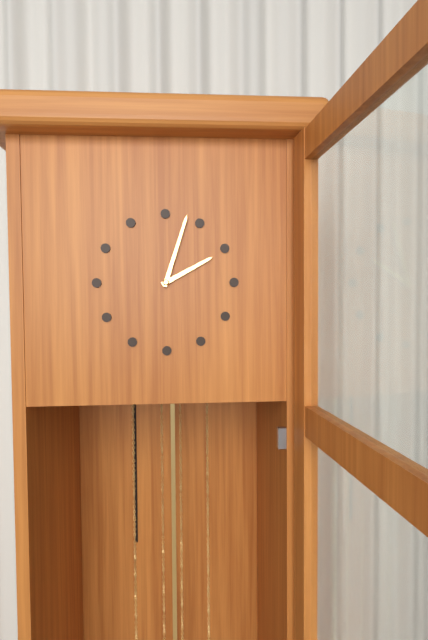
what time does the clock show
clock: 2:03
